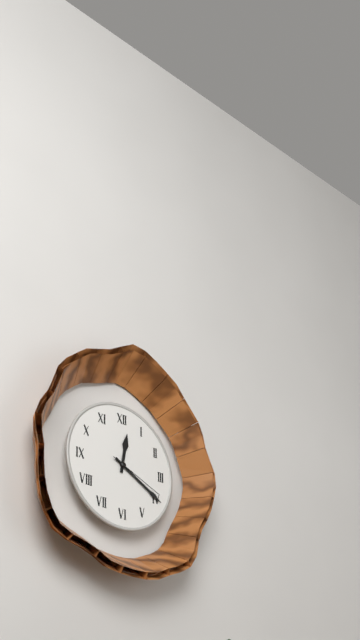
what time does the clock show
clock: 12:20:19
